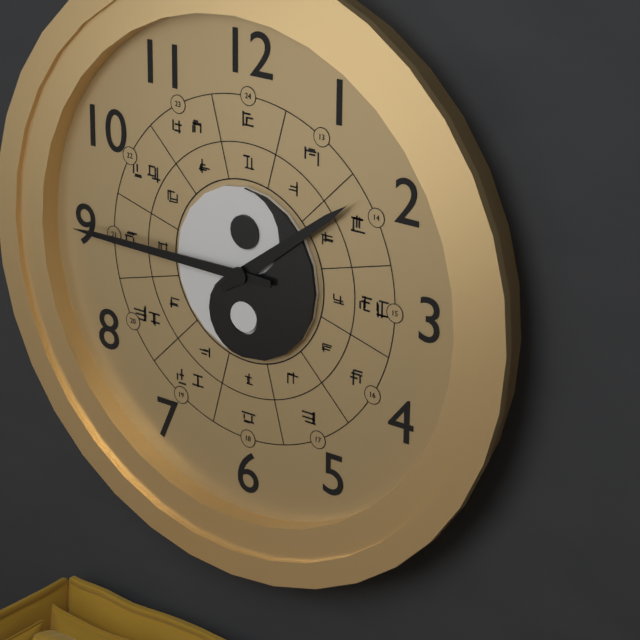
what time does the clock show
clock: 1:45
